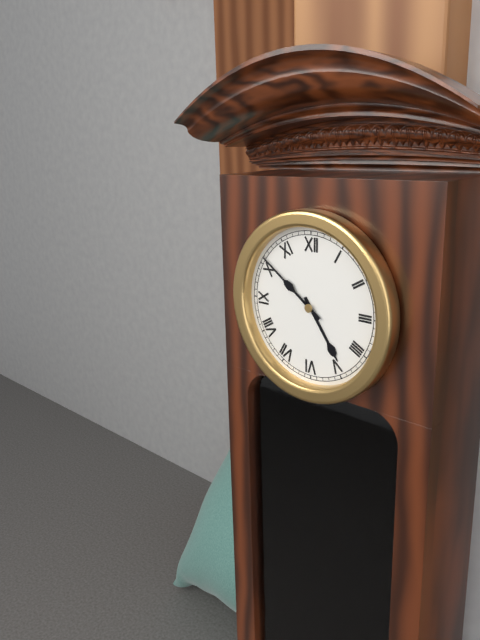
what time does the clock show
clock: 4:51
